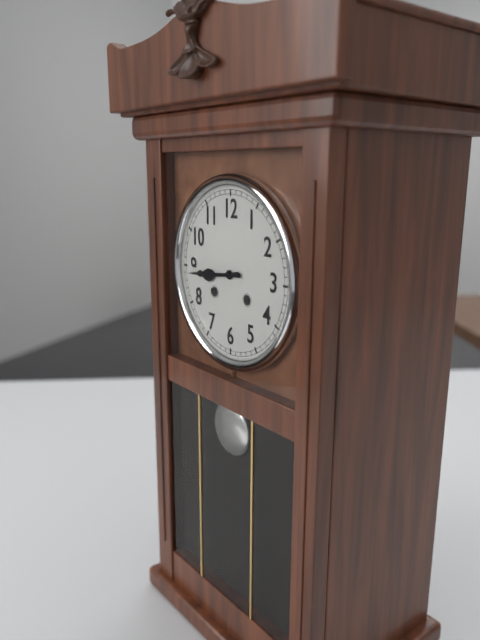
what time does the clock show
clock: 8:44
